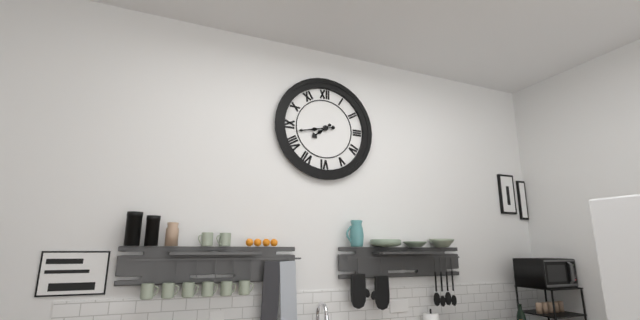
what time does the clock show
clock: 7:43
